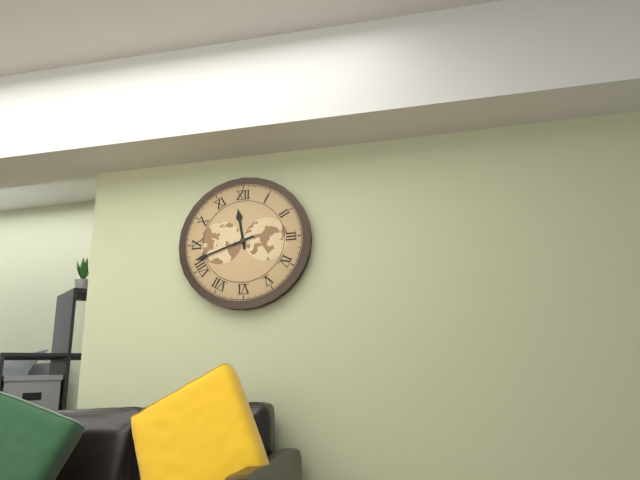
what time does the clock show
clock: 11:42
